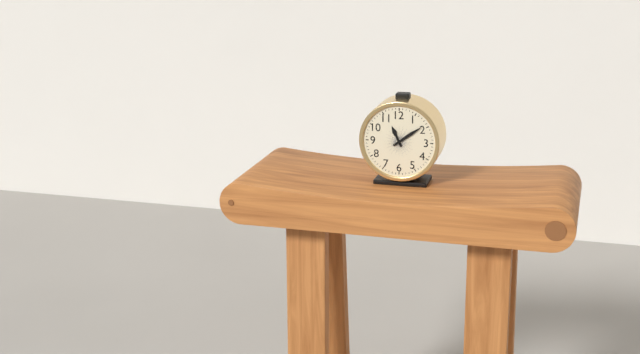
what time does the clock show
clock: 11:09
